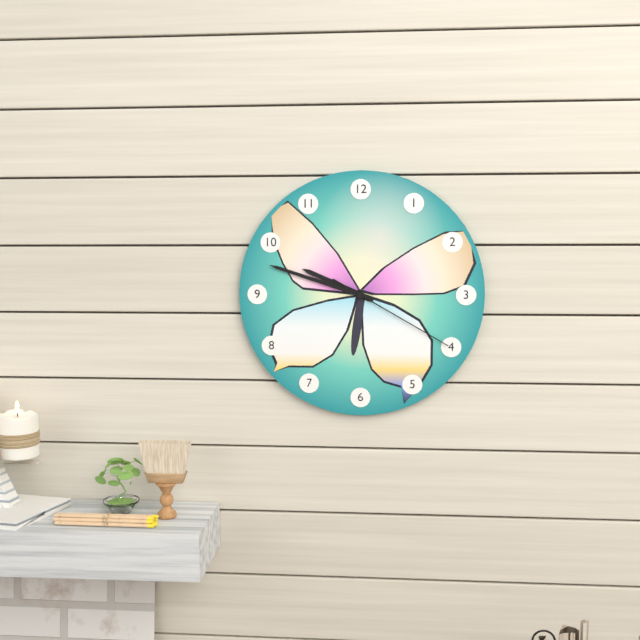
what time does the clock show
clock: 9:48:20
